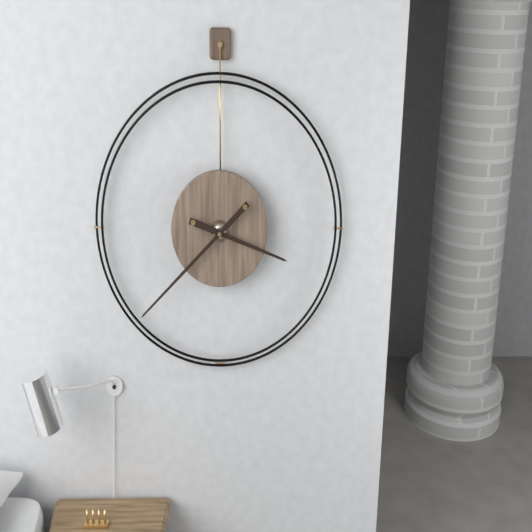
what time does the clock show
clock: 3:38
